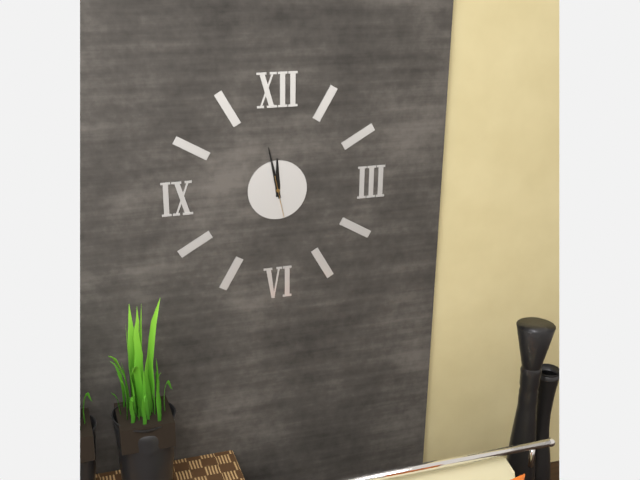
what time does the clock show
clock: 11:58
